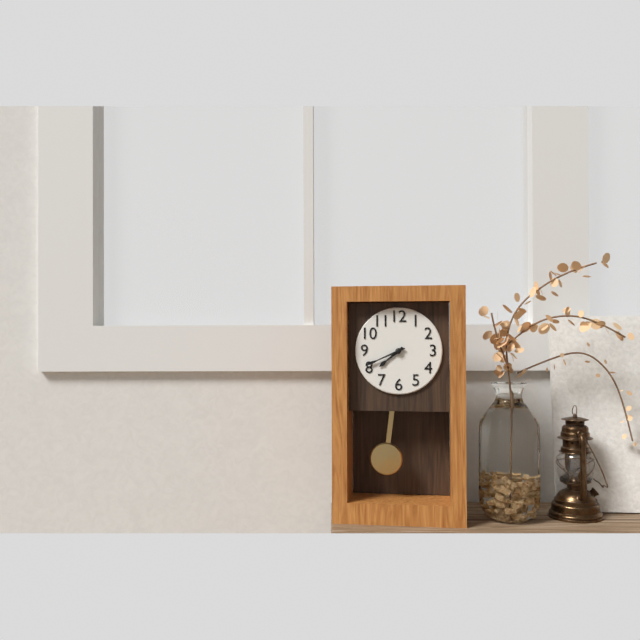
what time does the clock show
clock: 7:41
